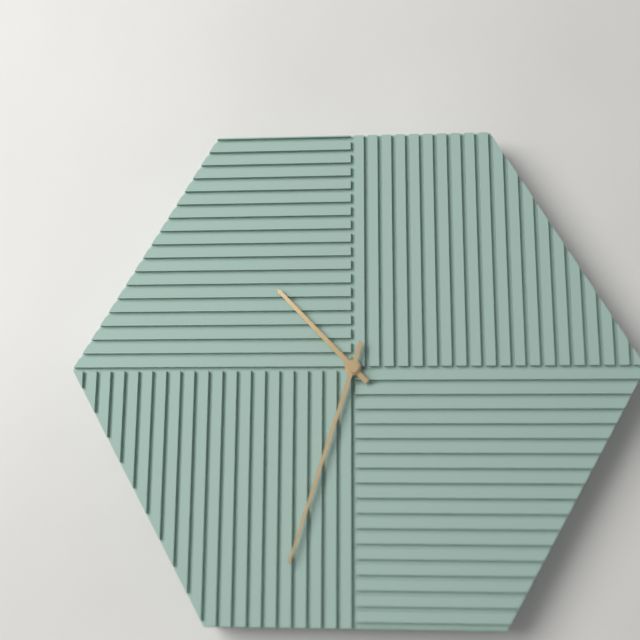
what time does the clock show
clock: 10:33
